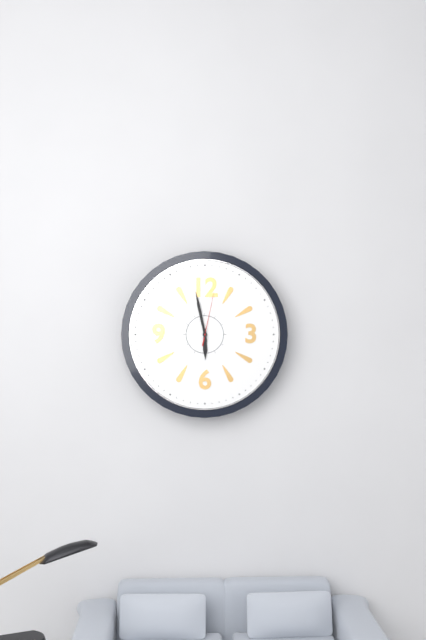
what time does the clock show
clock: 5:58:02
